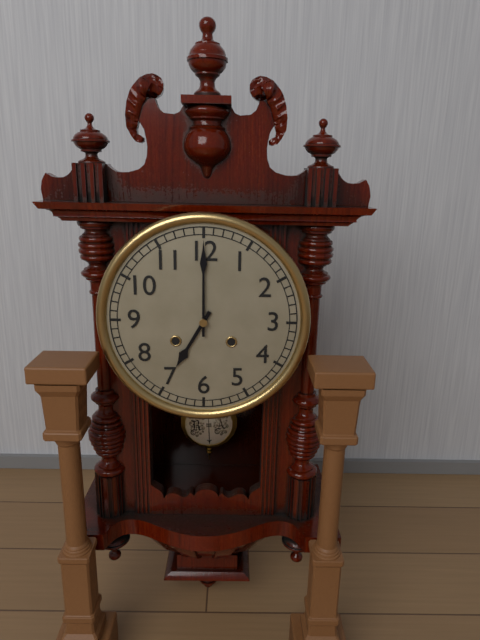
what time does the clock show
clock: 7:00
